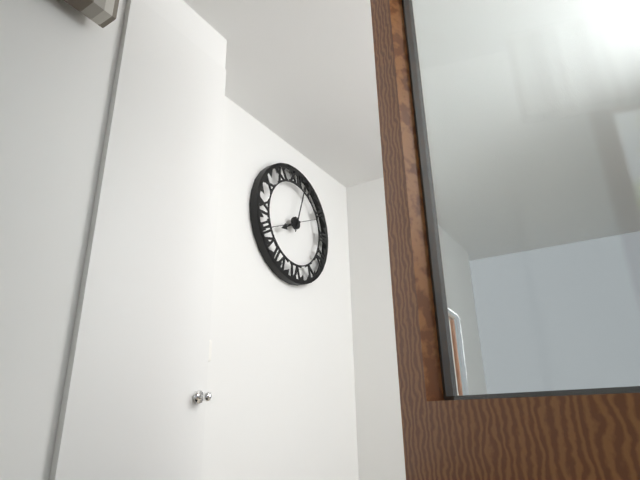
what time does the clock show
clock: 8:03
